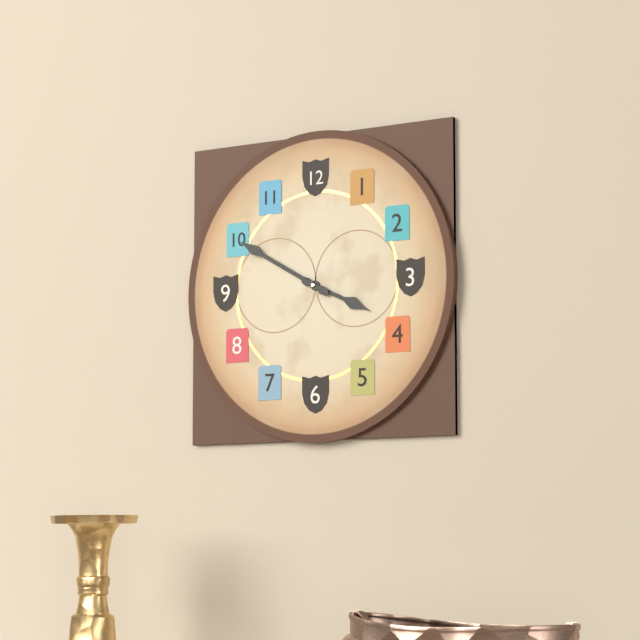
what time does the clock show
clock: 3:50
